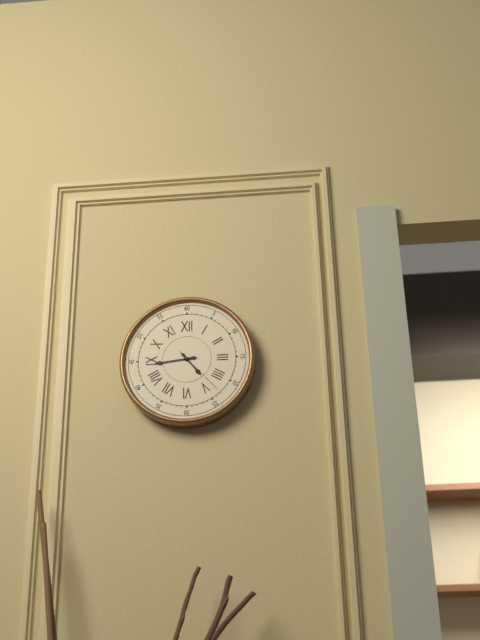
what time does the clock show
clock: 4:44:23
